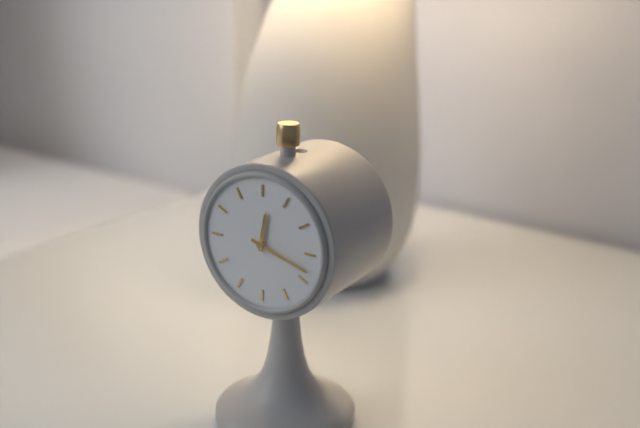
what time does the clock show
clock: 12:18
